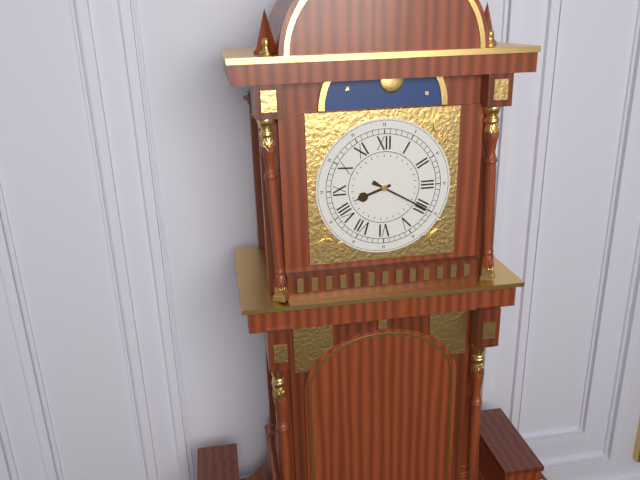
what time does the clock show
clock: 8:20
